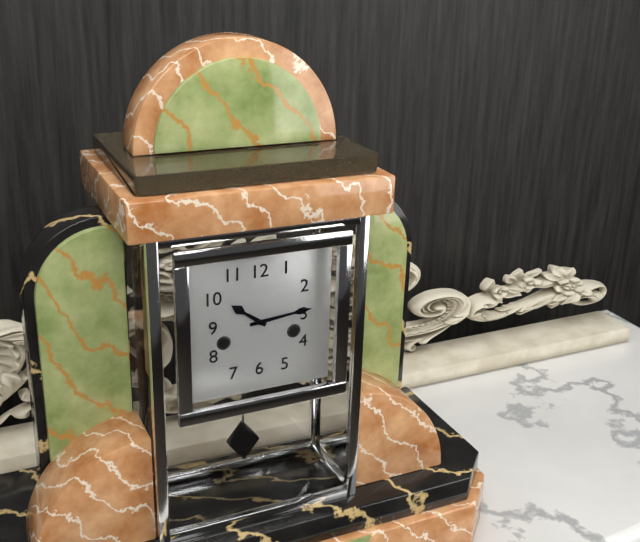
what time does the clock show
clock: 10:14
